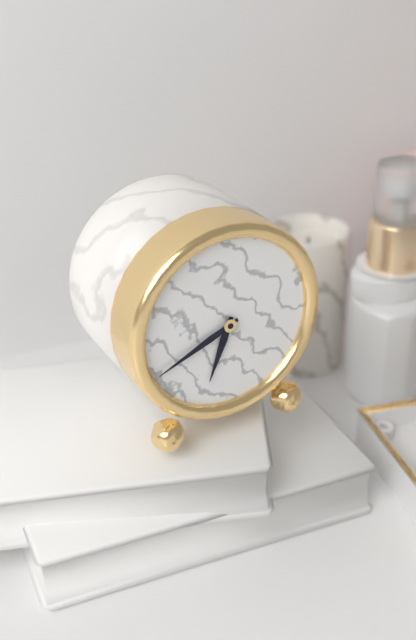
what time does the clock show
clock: 6:41
